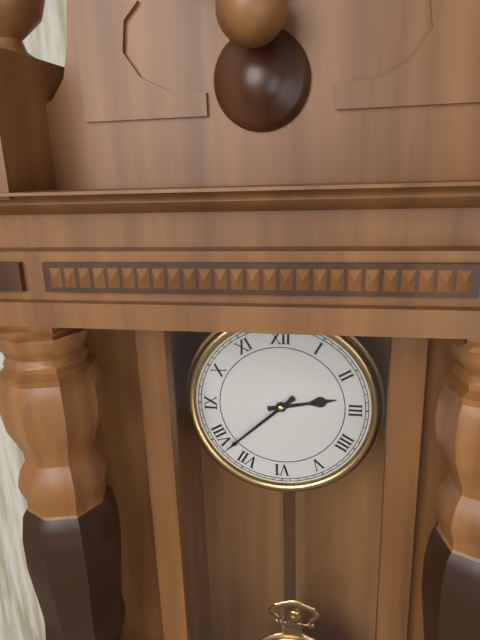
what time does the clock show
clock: 2:38
